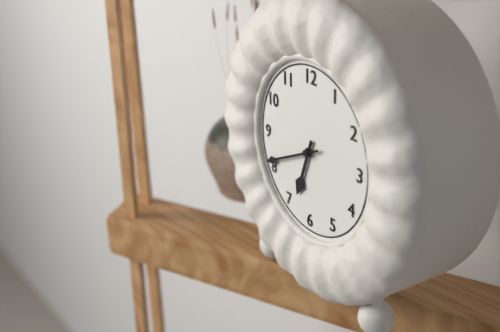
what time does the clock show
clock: 6:41
